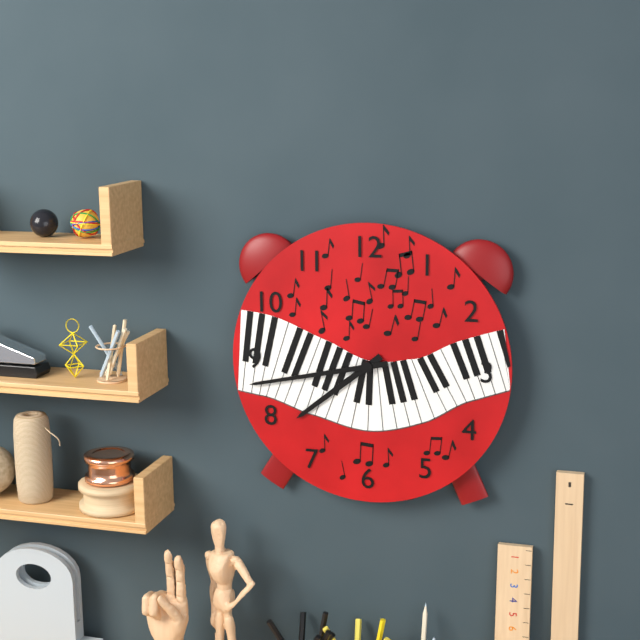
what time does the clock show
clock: 7:43
